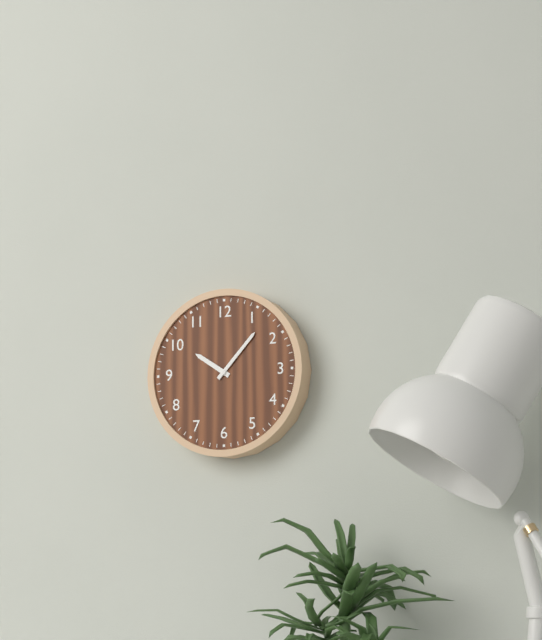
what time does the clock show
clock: 10:07
